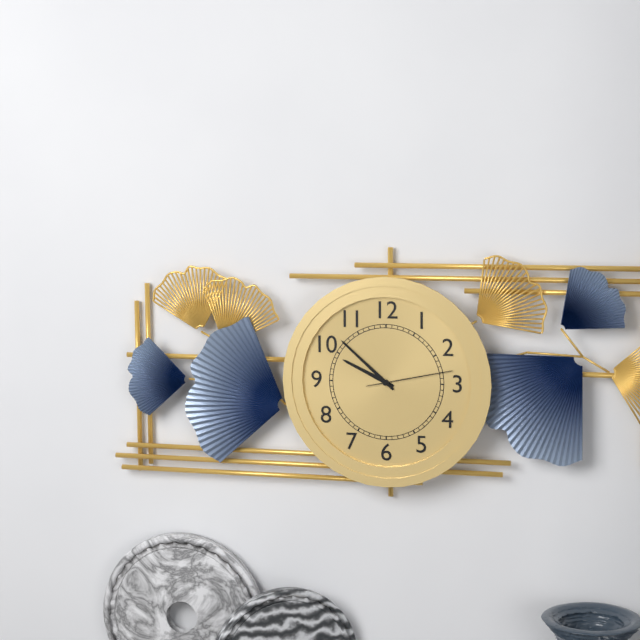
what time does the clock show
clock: 9:52:13
